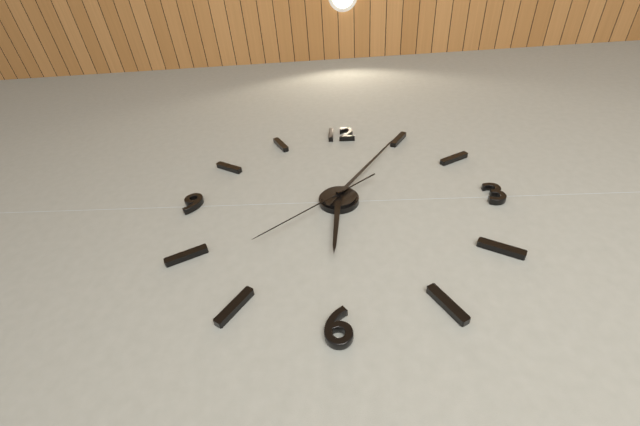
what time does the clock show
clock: 6:05:38
